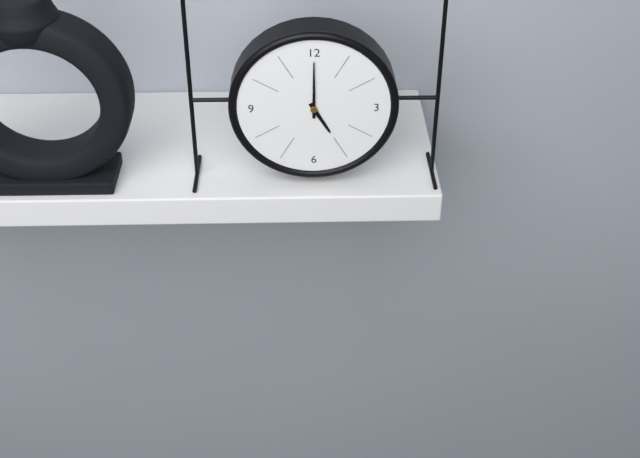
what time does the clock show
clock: 5:00
